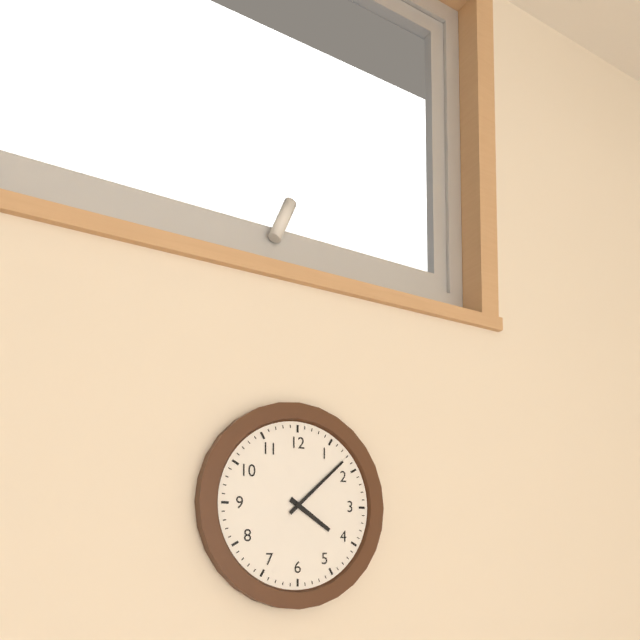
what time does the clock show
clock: 4:08
